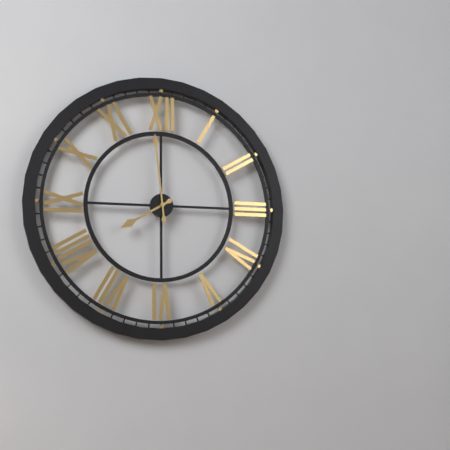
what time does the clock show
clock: 7:59
